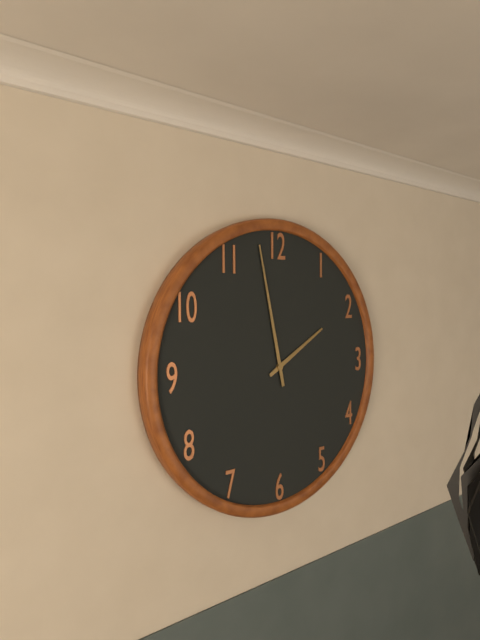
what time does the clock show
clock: 1:58
